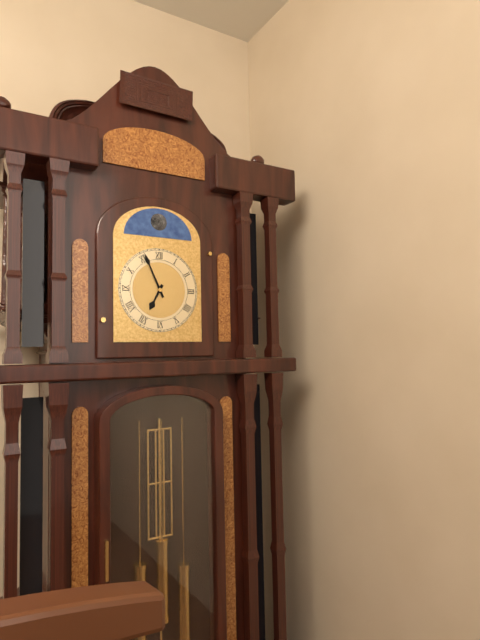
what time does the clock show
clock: 6:56
